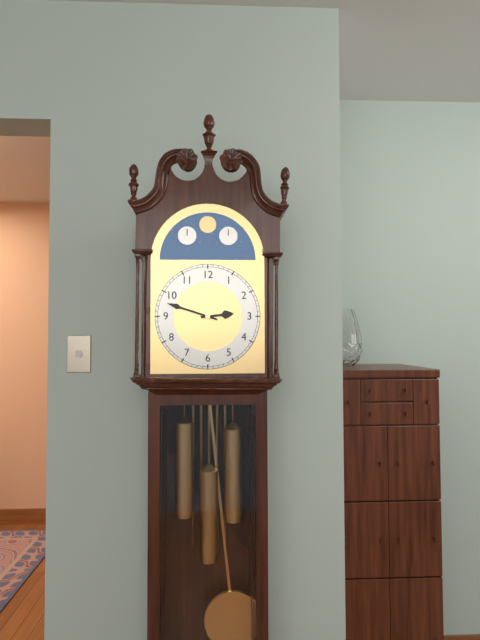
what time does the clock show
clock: 2:48
